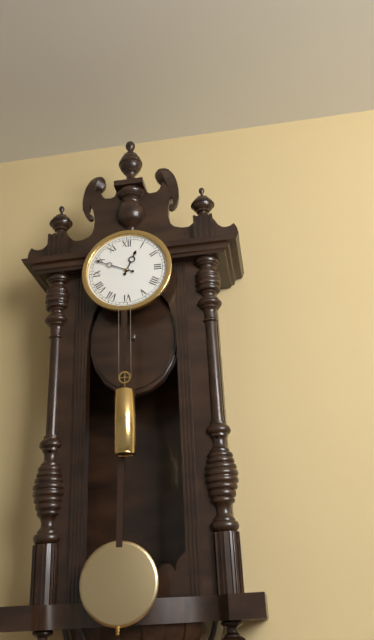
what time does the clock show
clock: 12:49
